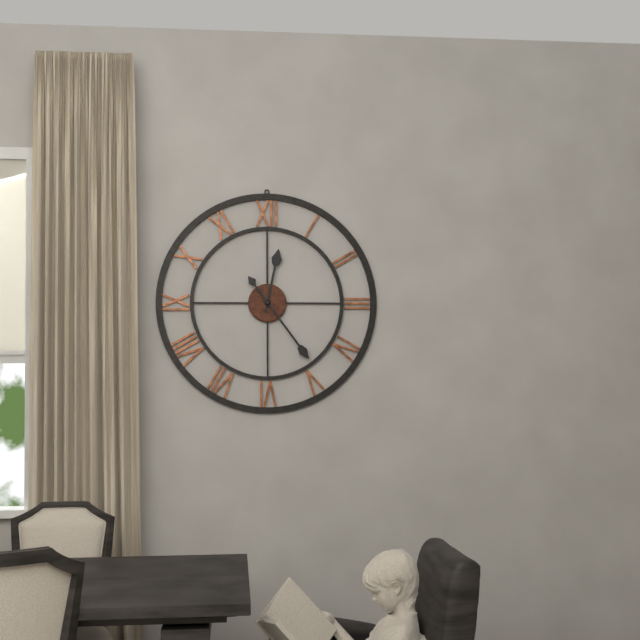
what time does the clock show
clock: 12:24
